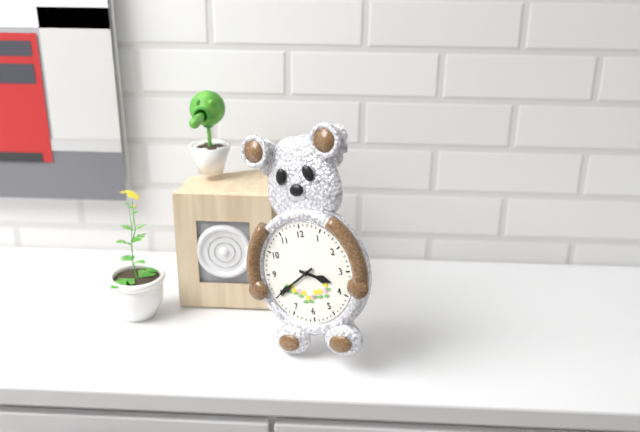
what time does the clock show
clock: 3:40
